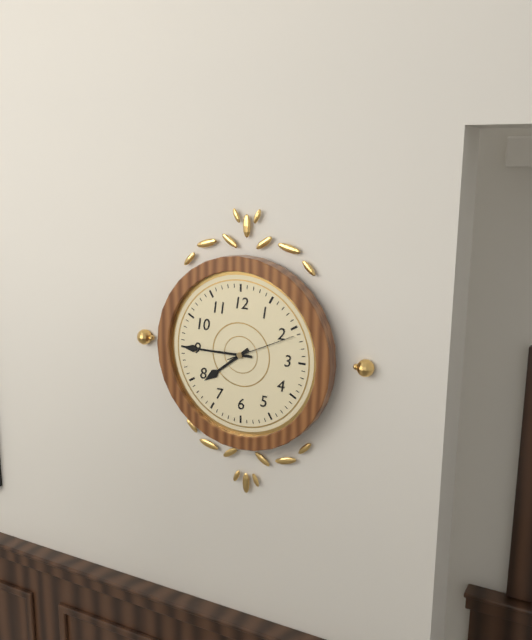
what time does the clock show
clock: 7:45:11
